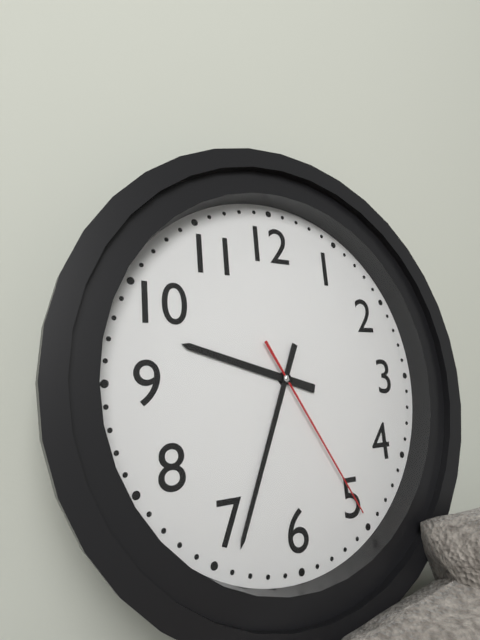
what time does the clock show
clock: 9:34:25
